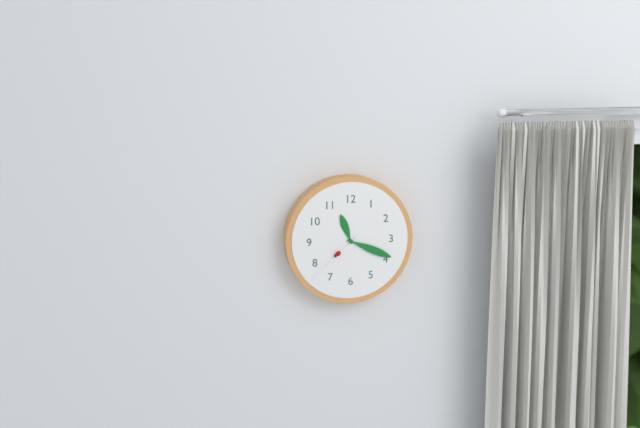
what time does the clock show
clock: 11:19:38
